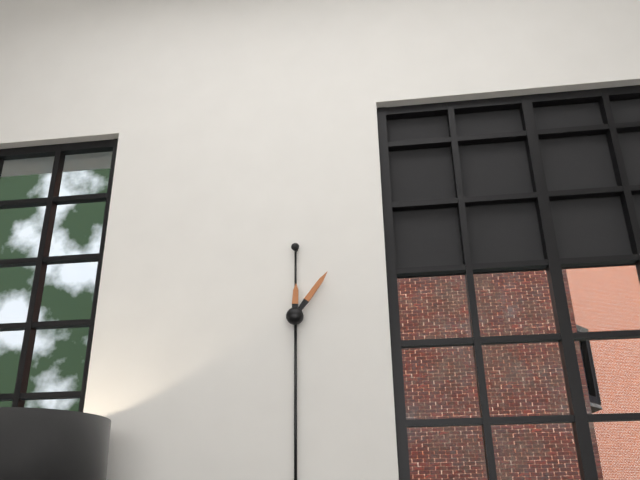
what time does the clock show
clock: 12:06
